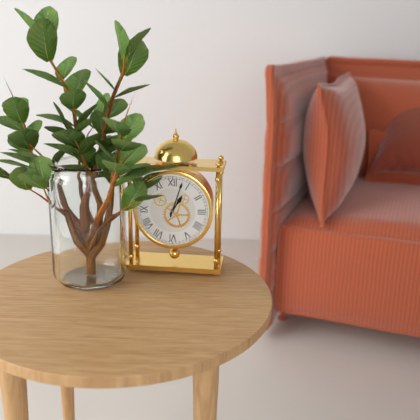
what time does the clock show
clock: 1:03
